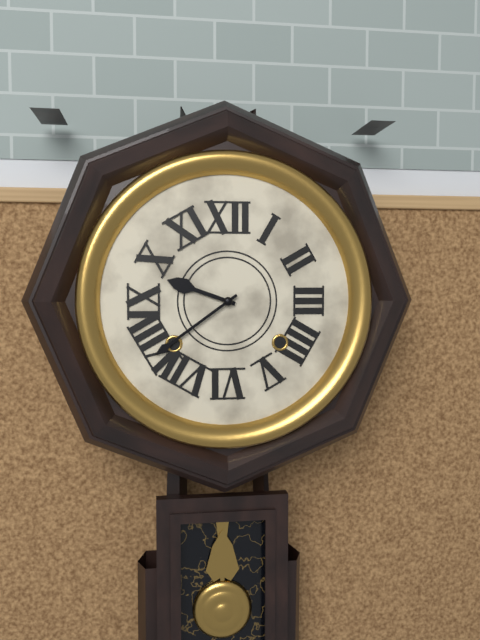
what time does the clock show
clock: 9:39
